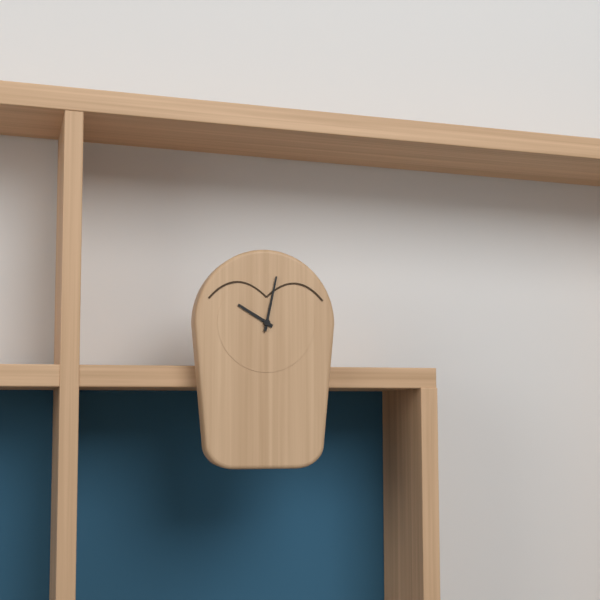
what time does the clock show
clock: 10:02
